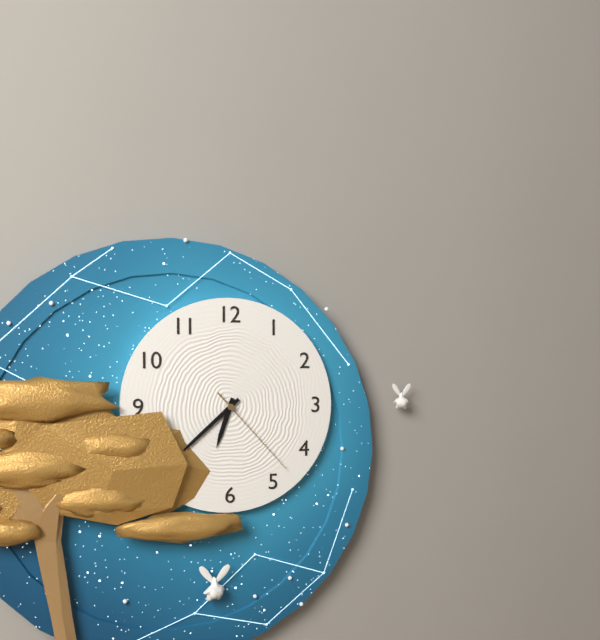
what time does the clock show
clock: 6:38:23
